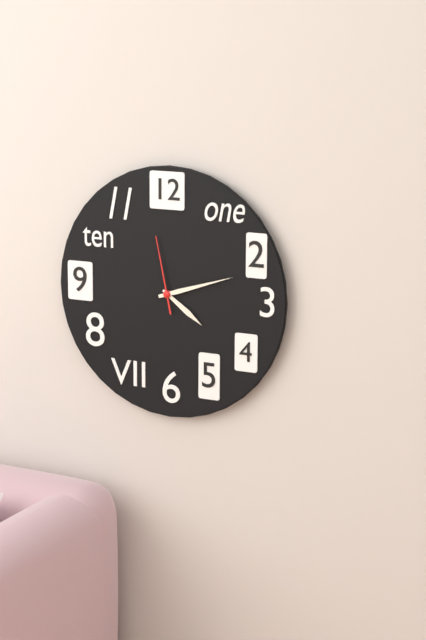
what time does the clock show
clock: 4:12:58
